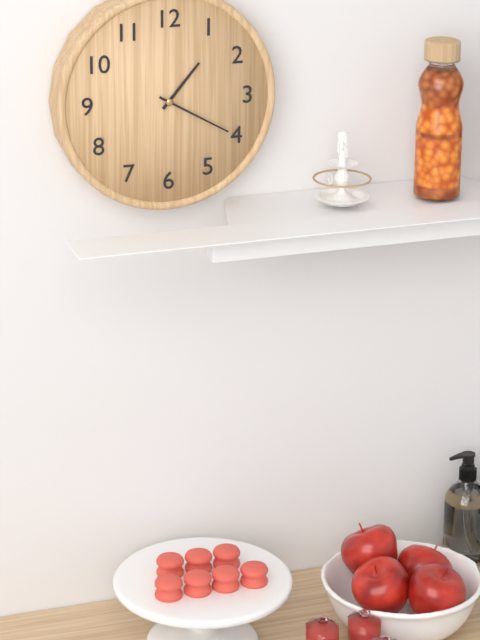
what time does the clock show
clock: 1:20
